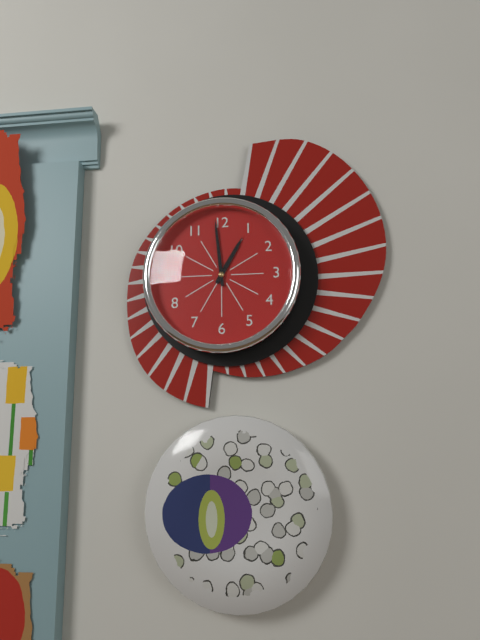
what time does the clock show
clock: 12:59
